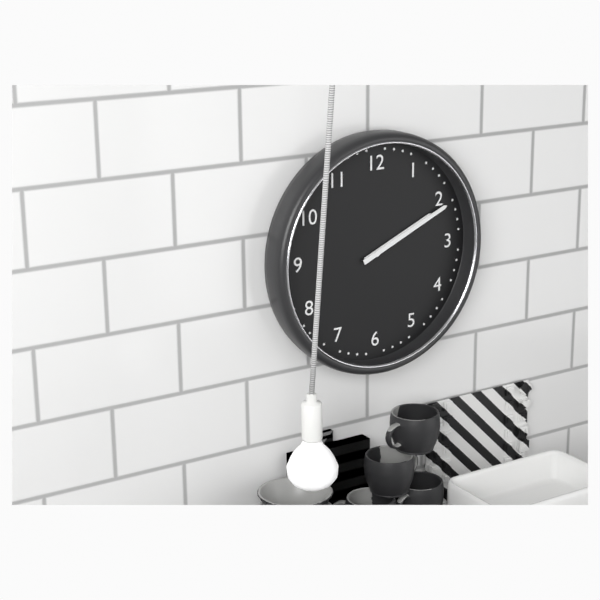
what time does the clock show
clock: 2:11
